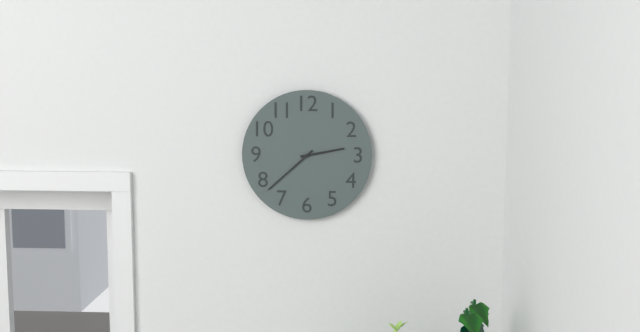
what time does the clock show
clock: 2:38
